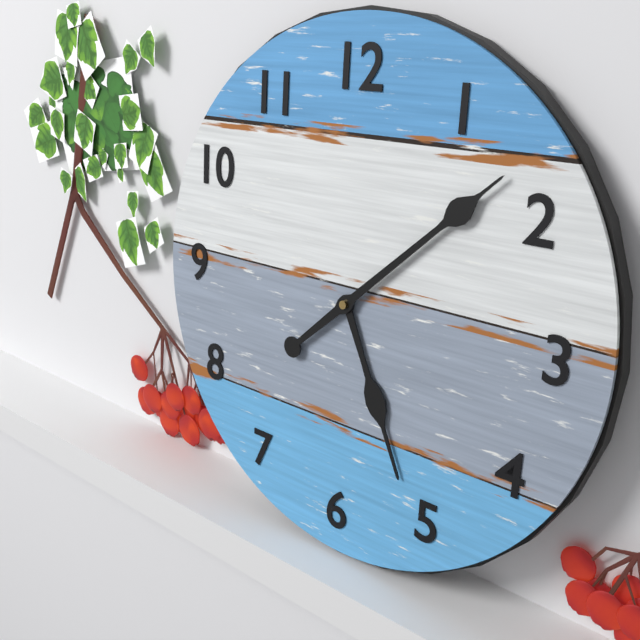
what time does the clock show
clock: 5:08
